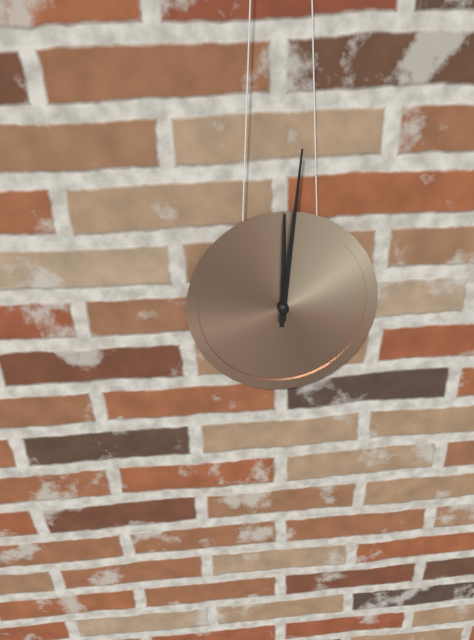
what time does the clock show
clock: 12:01
